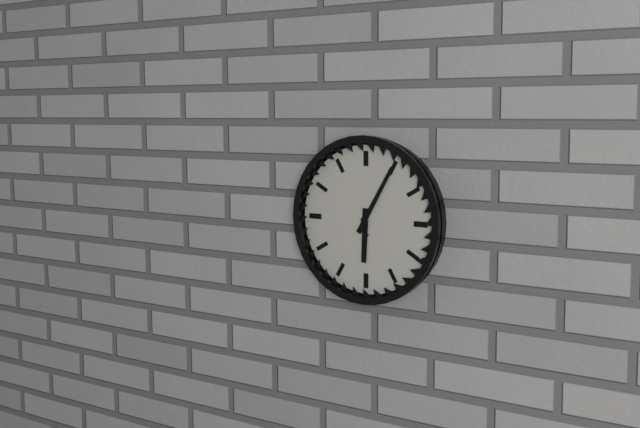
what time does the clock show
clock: 6:05
